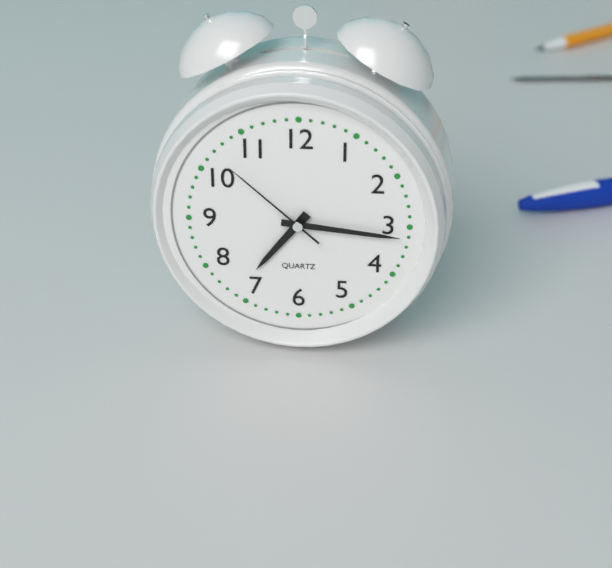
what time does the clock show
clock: 7:16:52
